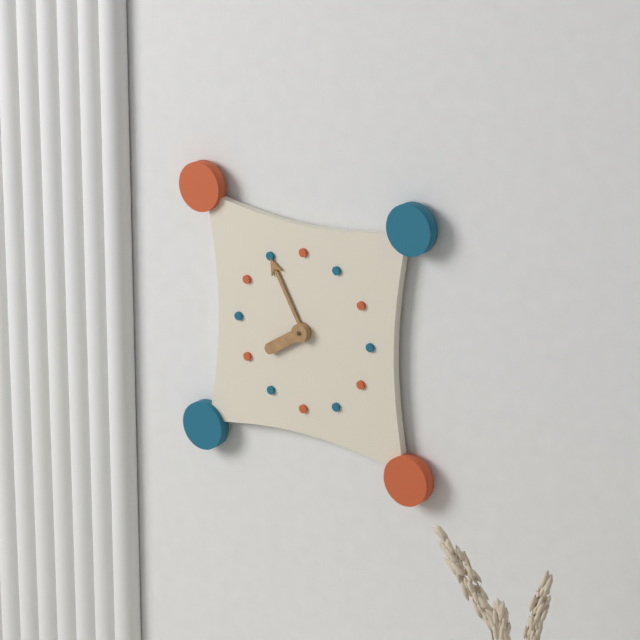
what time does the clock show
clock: 7:55
